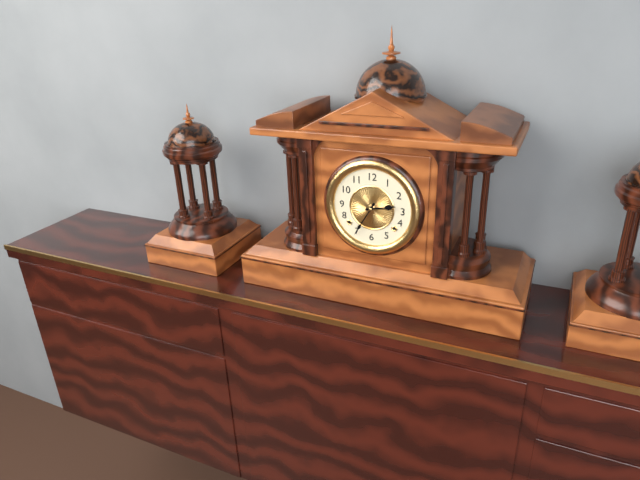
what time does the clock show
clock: 2:35
